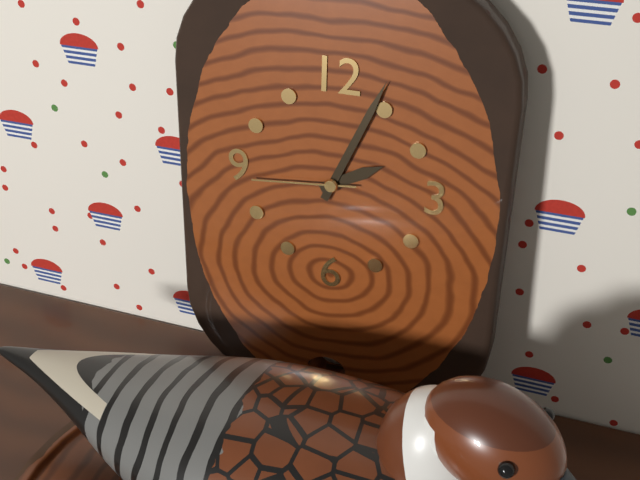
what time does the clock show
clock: 2:04:44
